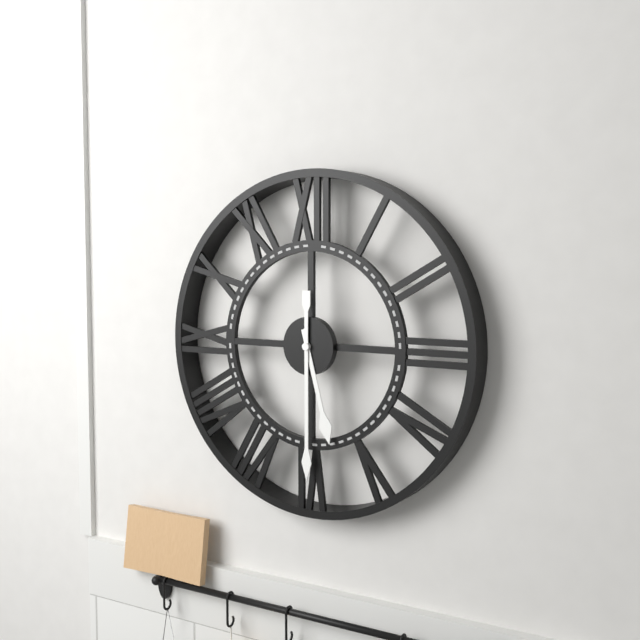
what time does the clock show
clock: 5:30
